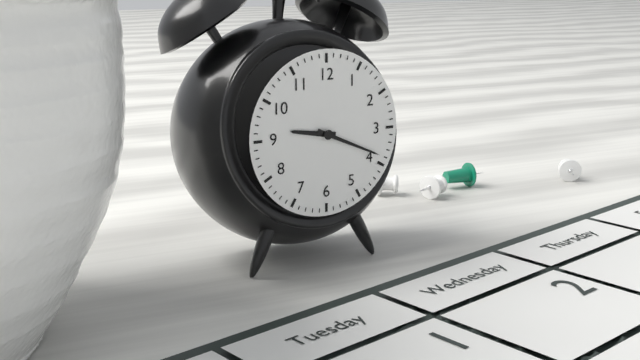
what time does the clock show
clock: 9:19
